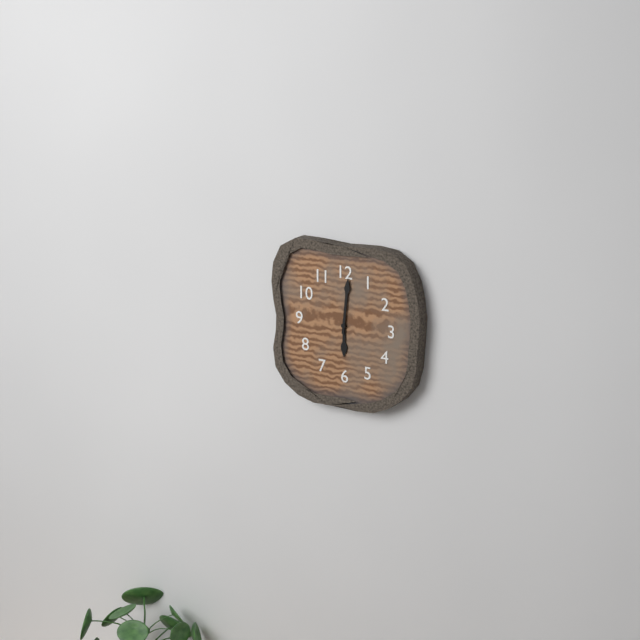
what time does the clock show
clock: 6:01
